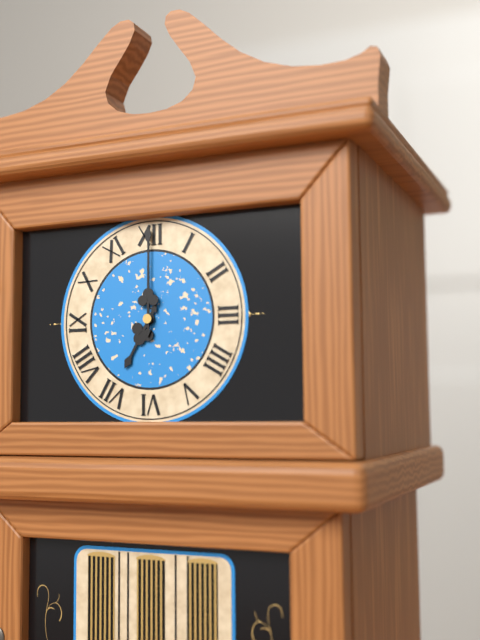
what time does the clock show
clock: 7:00
